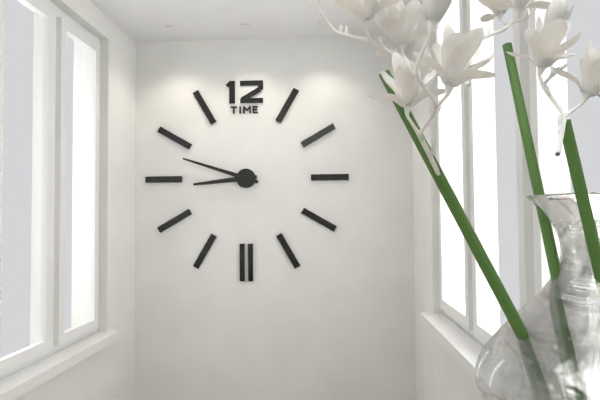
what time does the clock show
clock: 8:48
